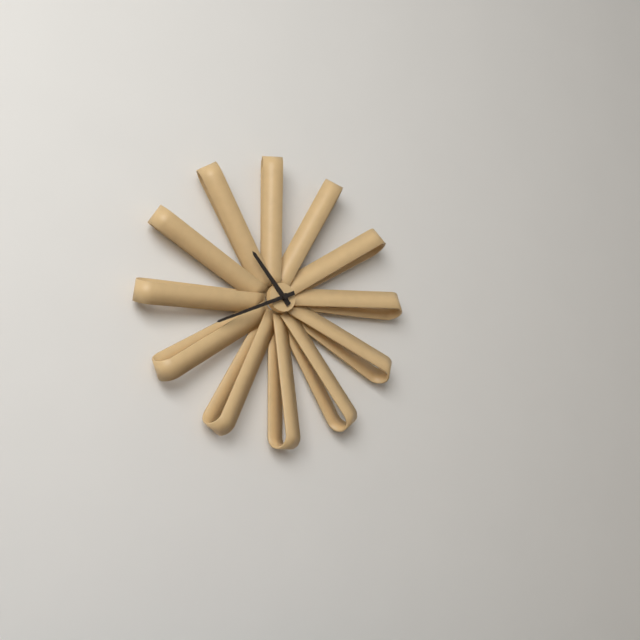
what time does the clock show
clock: 10:41
